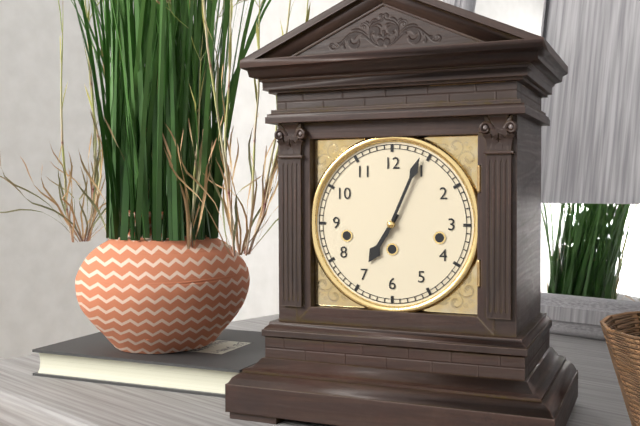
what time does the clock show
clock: 7:04
